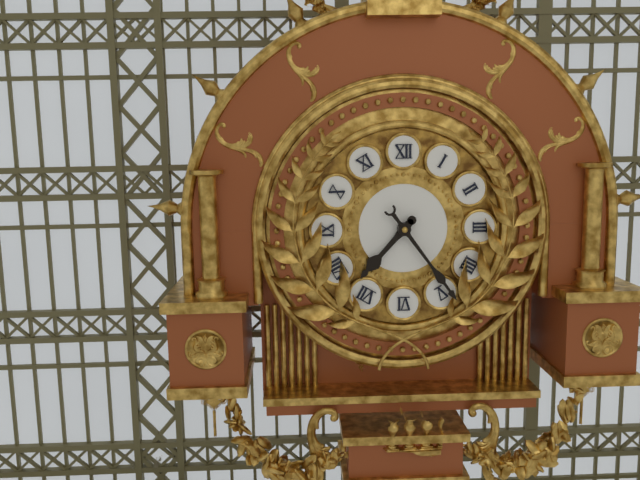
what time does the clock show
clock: 7:24
